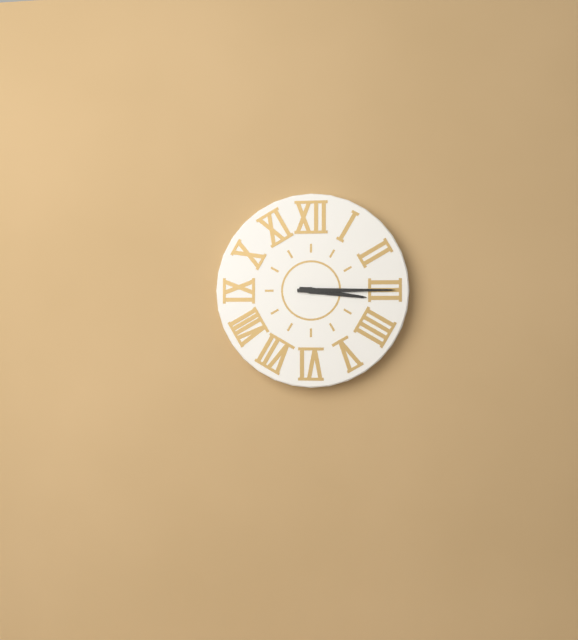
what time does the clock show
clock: 3:15
